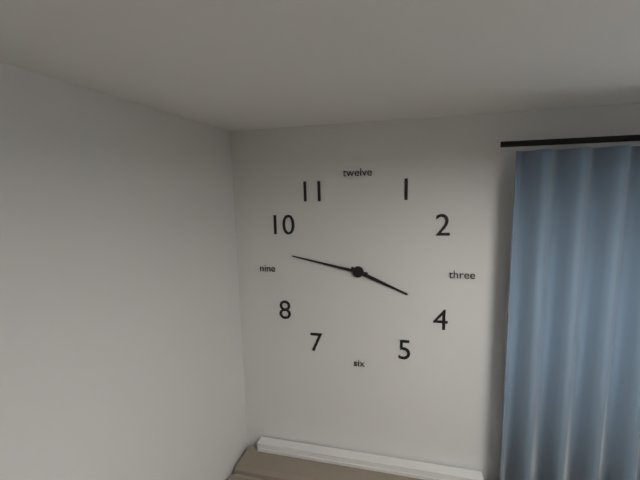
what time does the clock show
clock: 3:47
